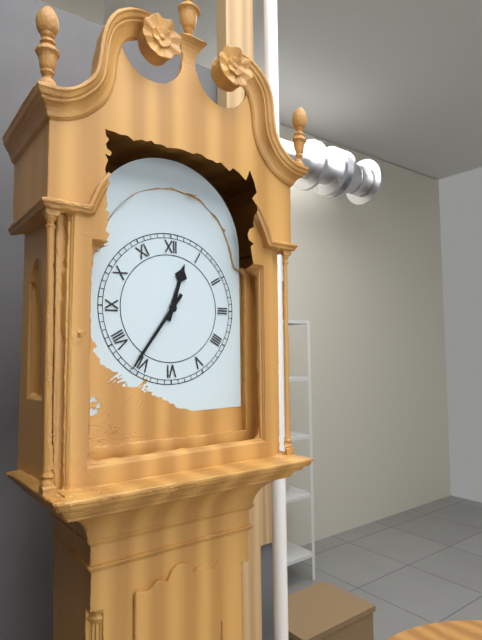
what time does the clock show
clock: 12:36
